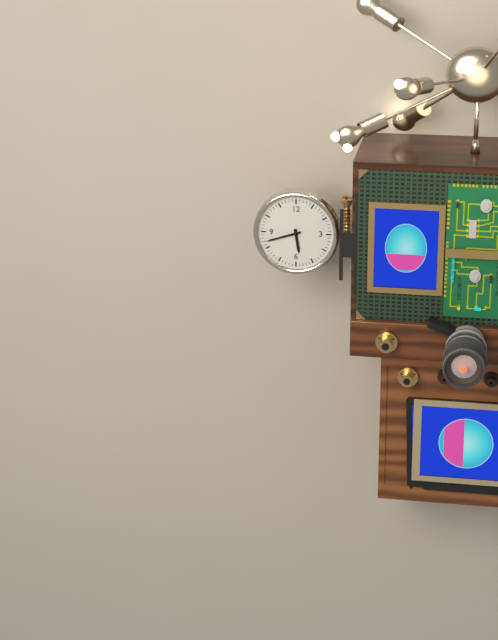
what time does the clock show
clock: 5:42
